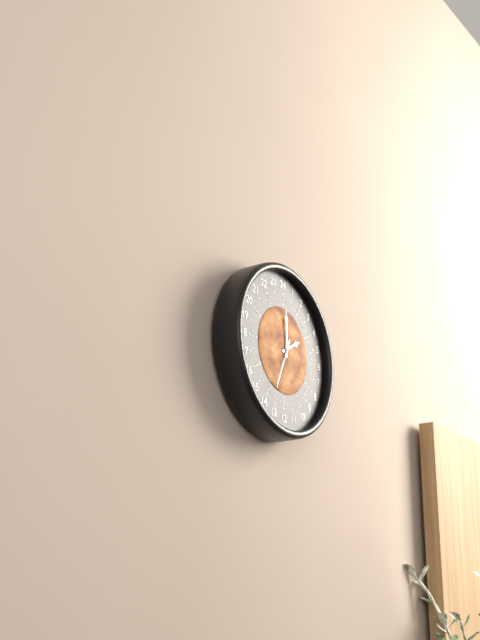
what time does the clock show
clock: 2:00
